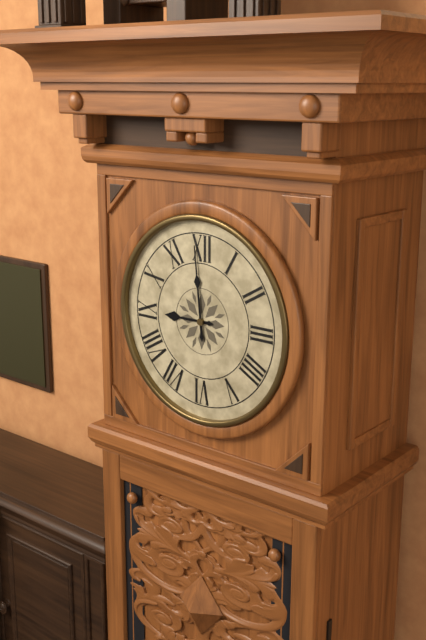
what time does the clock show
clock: 8:59
